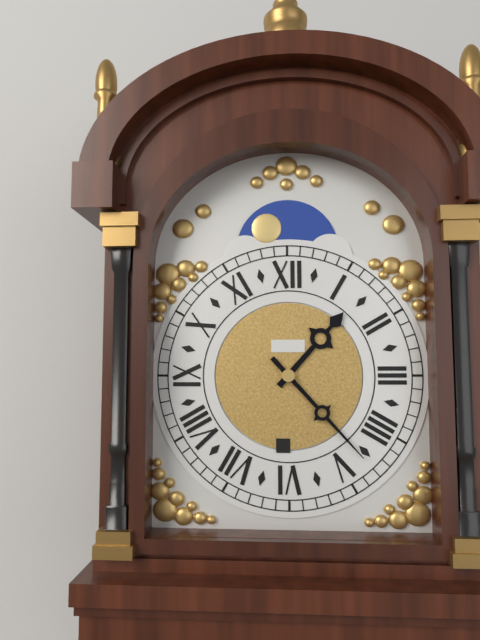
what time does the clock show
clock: 1:23
